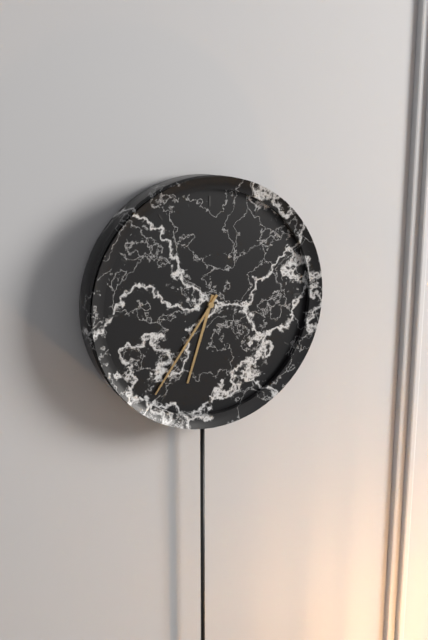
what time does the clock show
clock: 6:36
